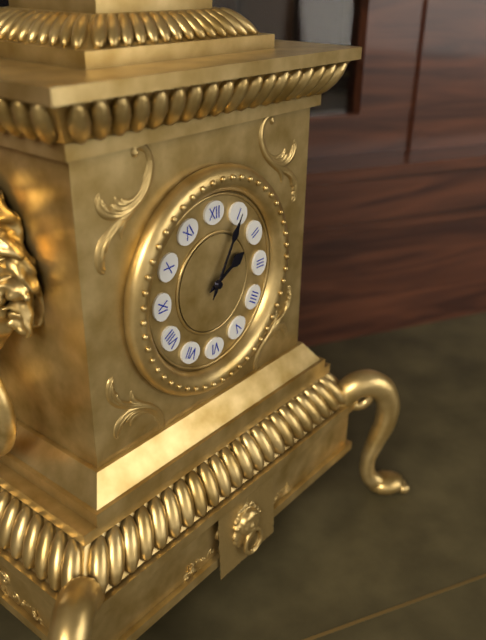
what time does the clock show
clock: 2:05
